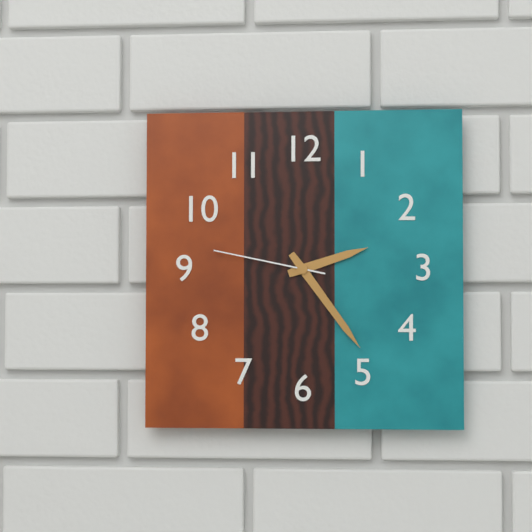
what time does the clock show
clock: 2:24:47
